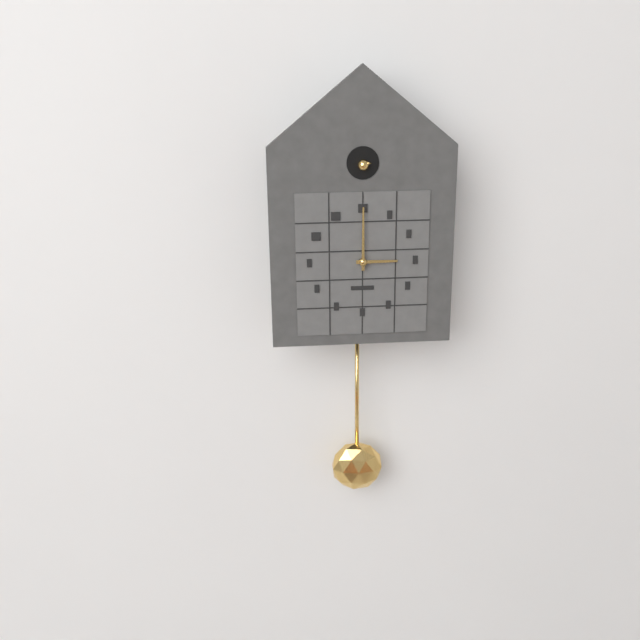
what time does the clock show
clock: 3:00
